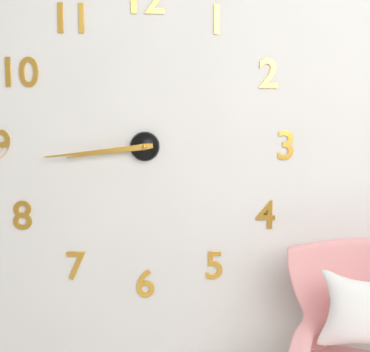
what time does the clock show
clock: 8:44
